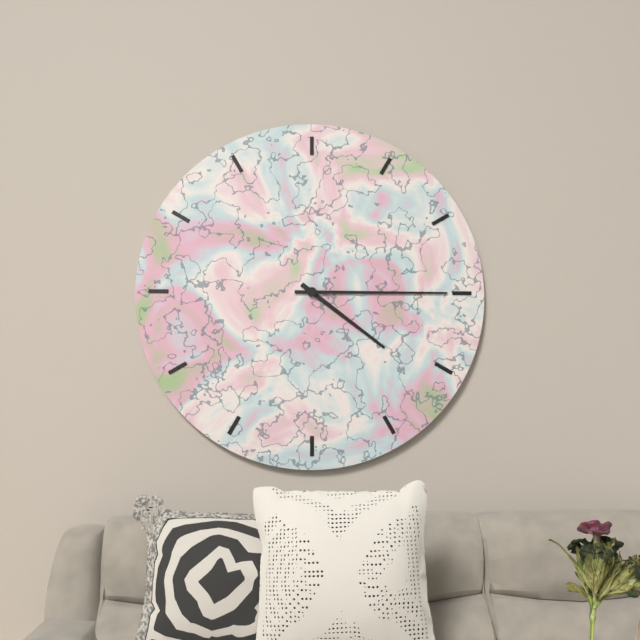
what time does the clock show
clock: 4:15
